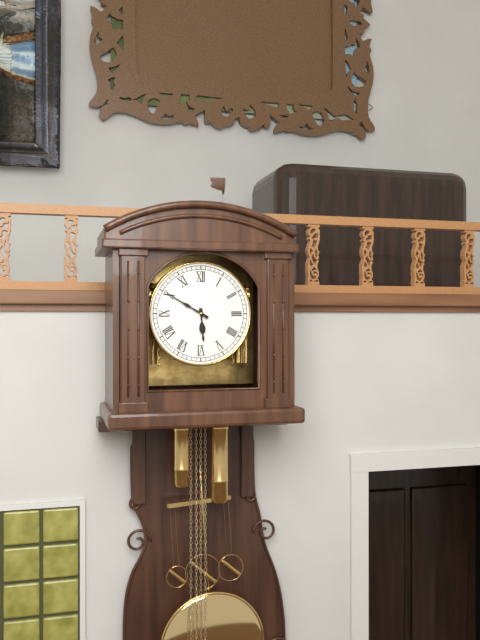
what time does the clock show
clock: 5:50
